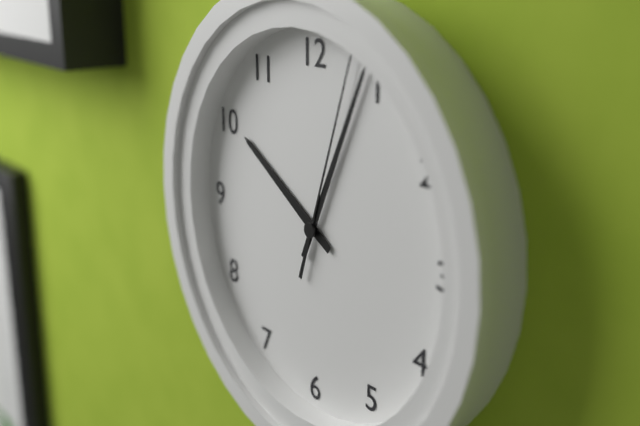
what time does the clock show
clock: 10:04:03
